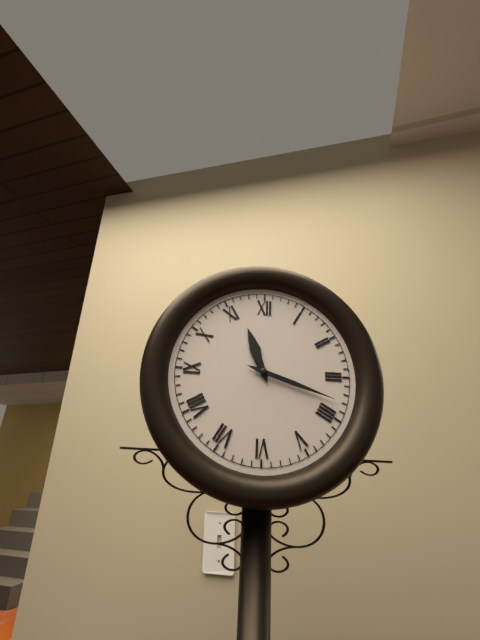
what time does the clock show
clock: 11:18
